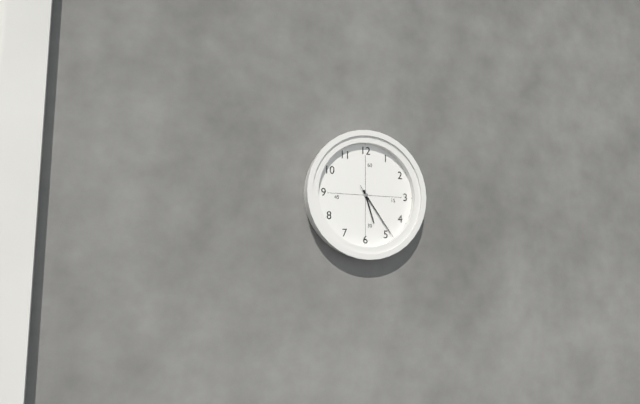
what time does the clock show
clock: 5:24:24
